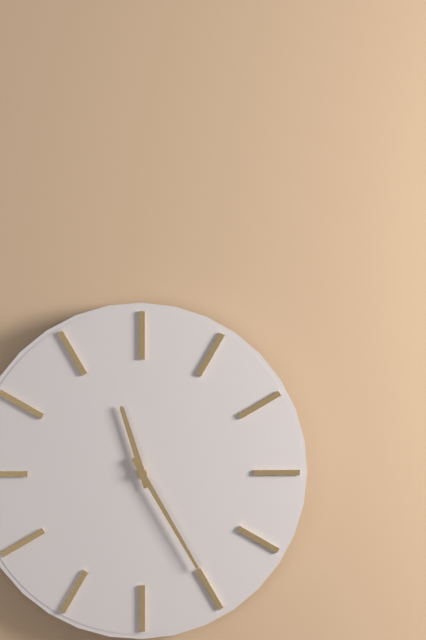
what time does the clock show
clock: 11:25
